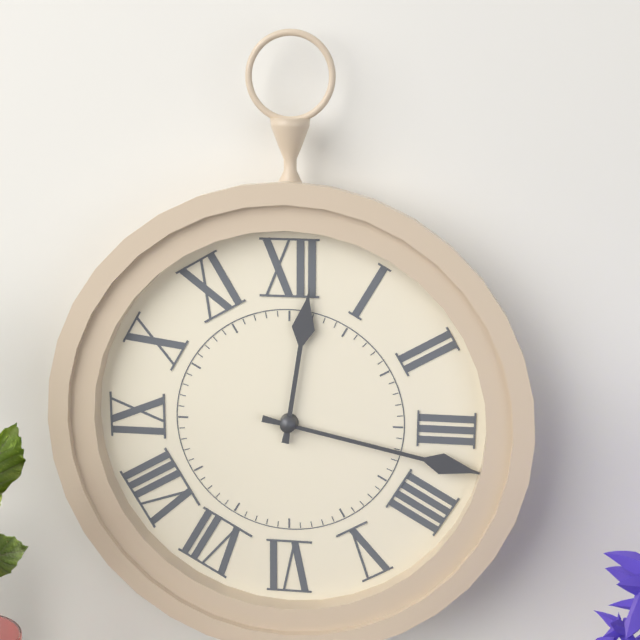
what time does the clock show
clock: 12:17
